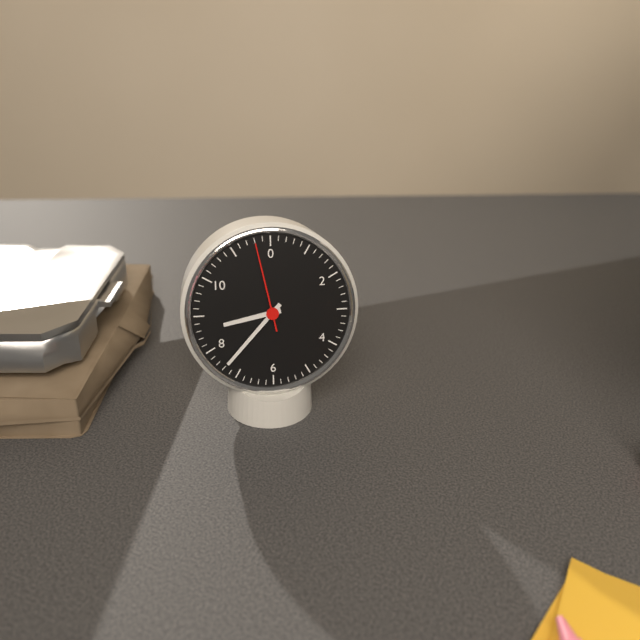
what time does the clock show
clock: 8:37:58
